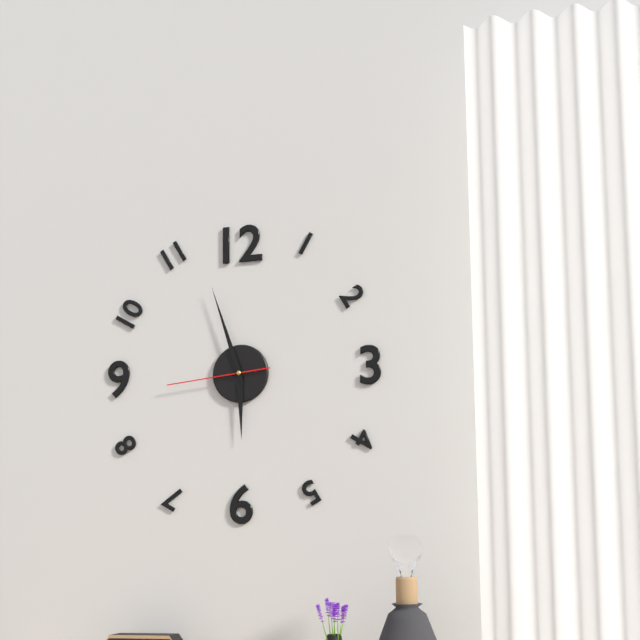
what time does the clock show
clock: 5:57:44
